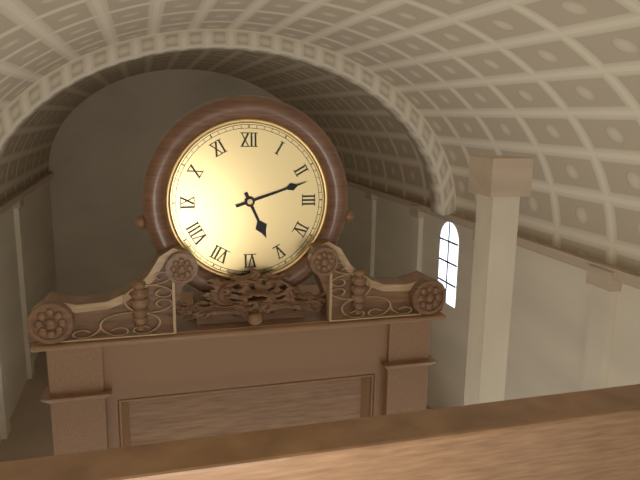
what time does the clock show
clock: 5:12
